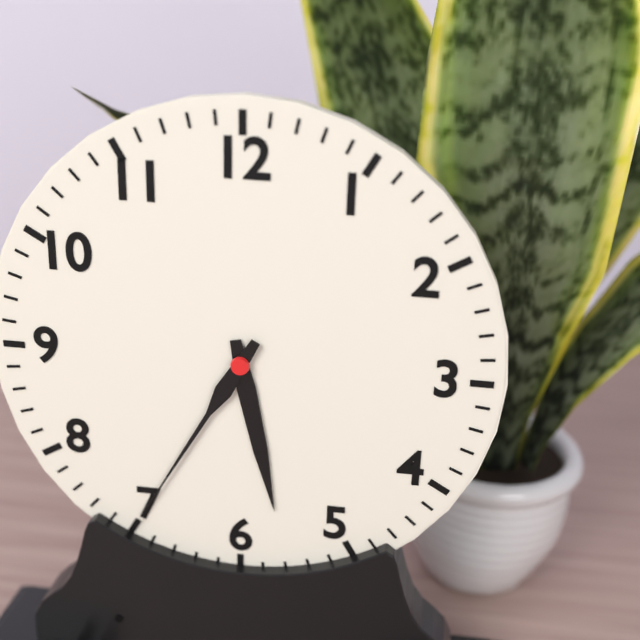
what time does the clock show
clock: 5:35
